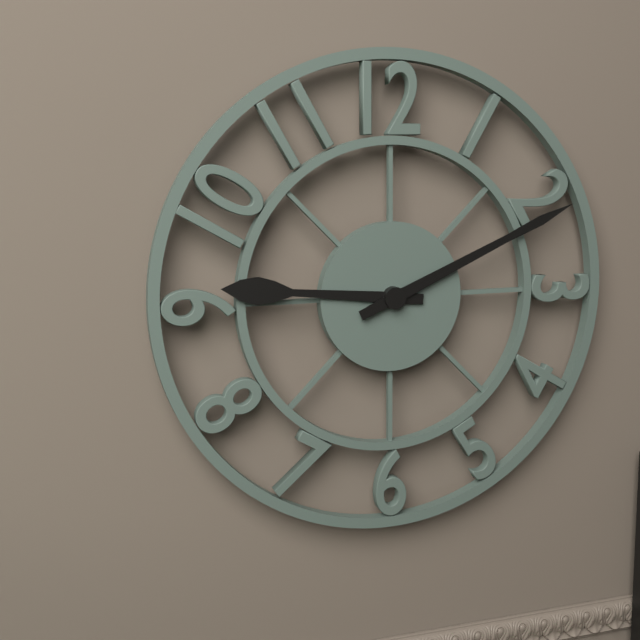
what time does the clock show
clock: 9:11
